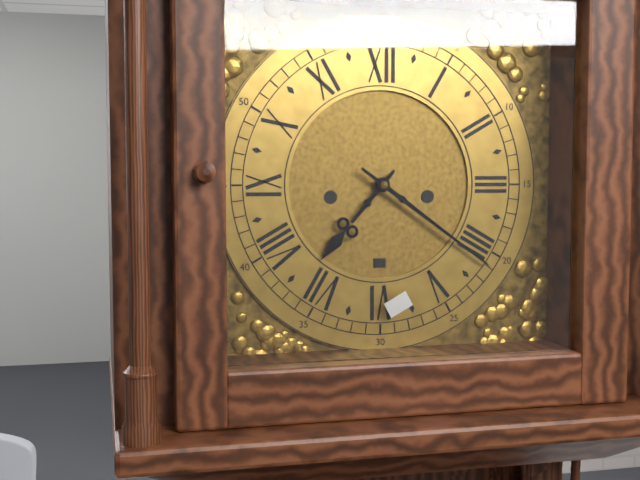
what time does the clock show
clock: 7:21
